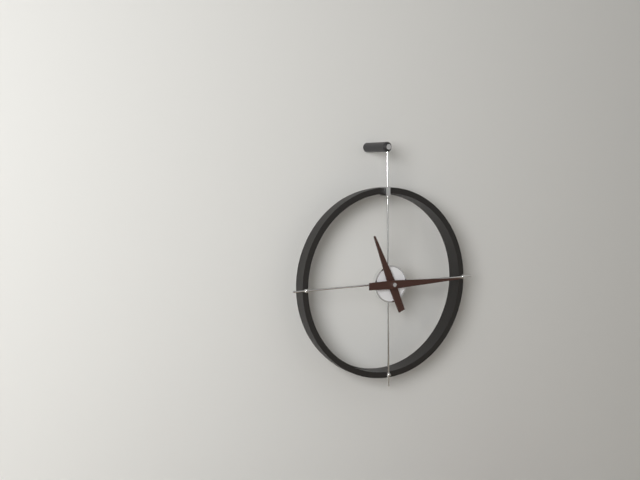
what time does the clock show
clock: 11:15
